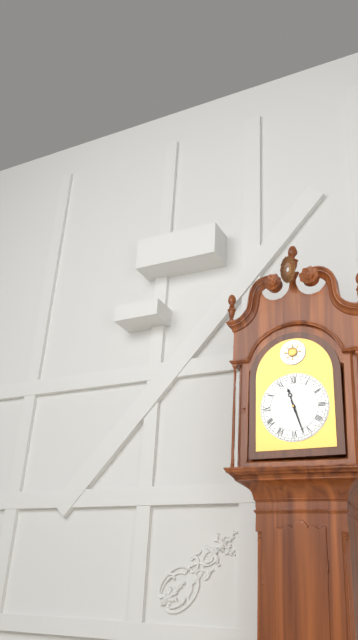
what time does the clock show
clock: 11:27
